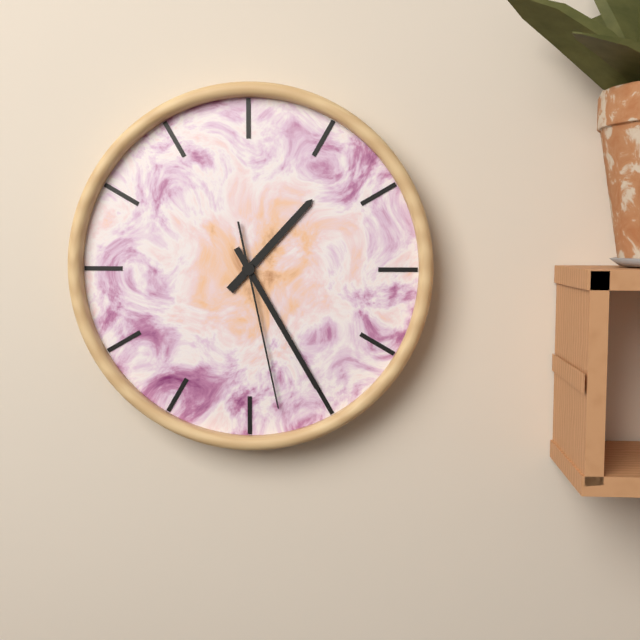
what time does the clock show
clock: 1:25:28
